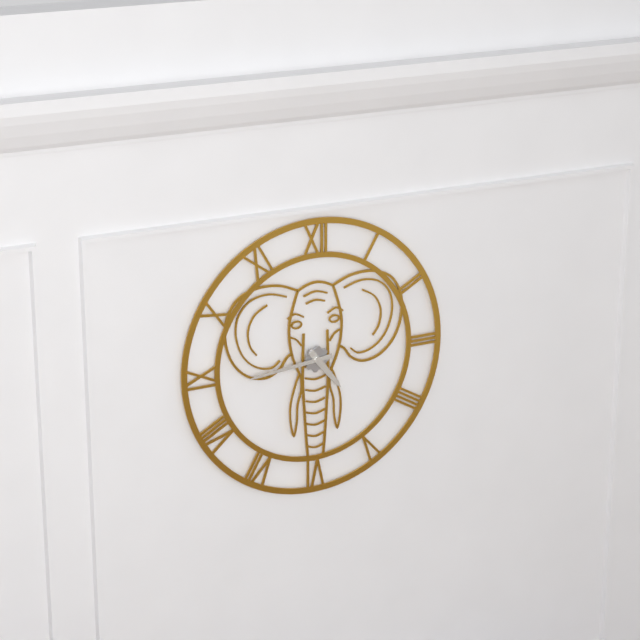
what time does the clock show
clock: 4:44
